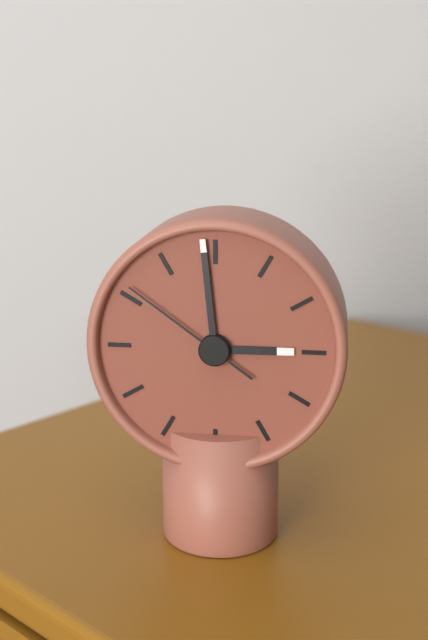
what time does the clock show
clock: 2:59:51
